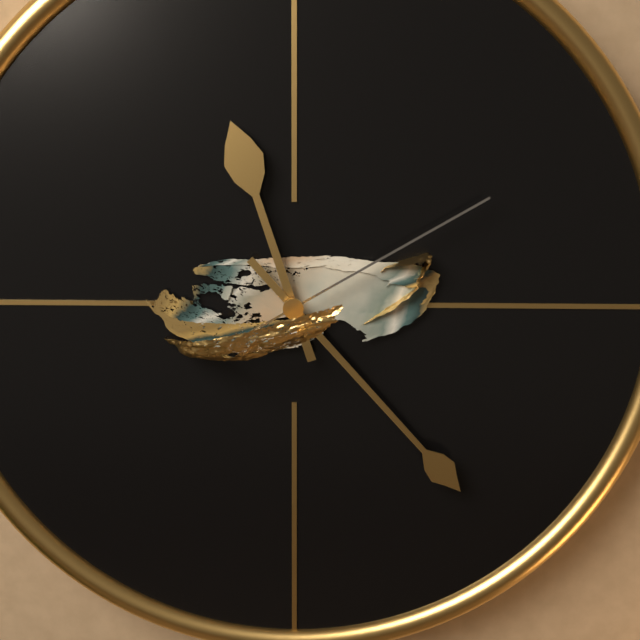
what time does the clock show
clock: 11:23:10
